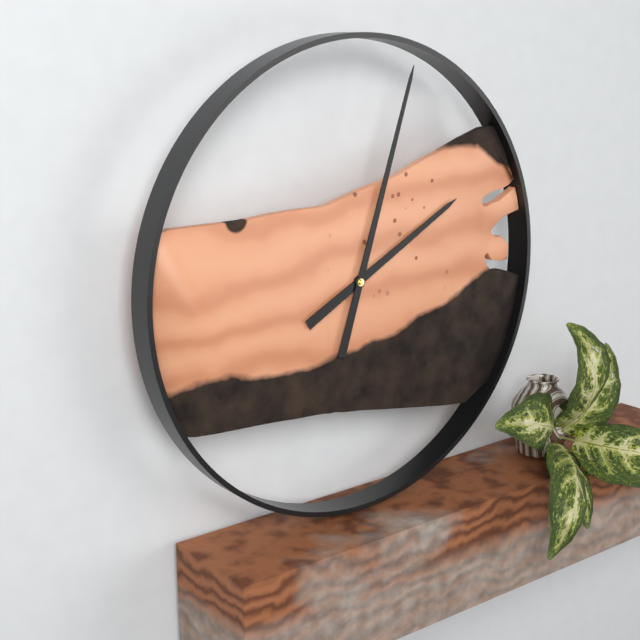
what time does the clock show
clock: 2:03
